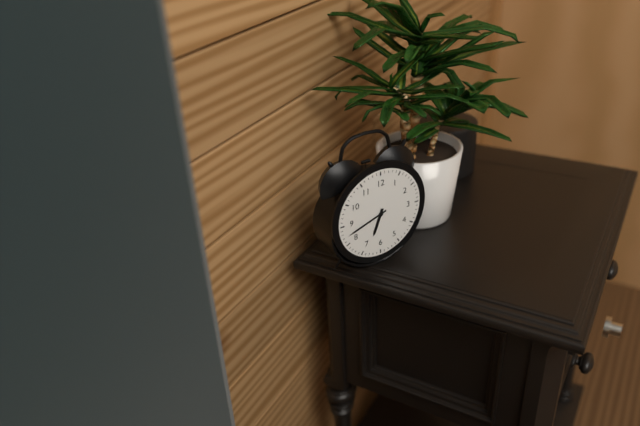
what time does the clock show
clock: 6:42
